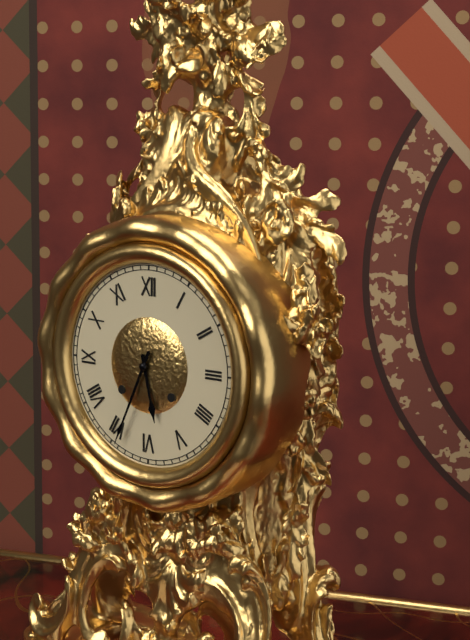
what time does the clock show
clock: 5:34
